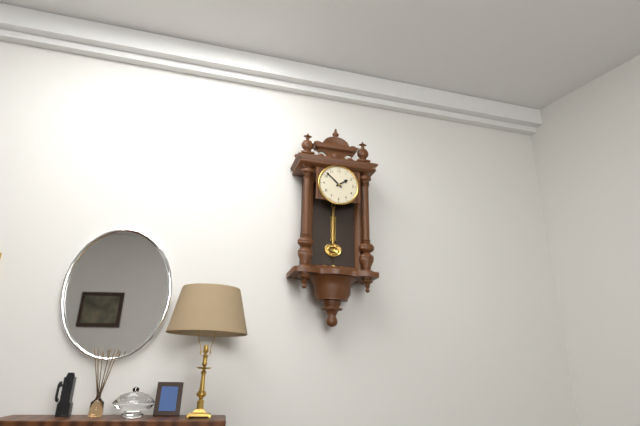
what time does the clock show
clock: 1:52
